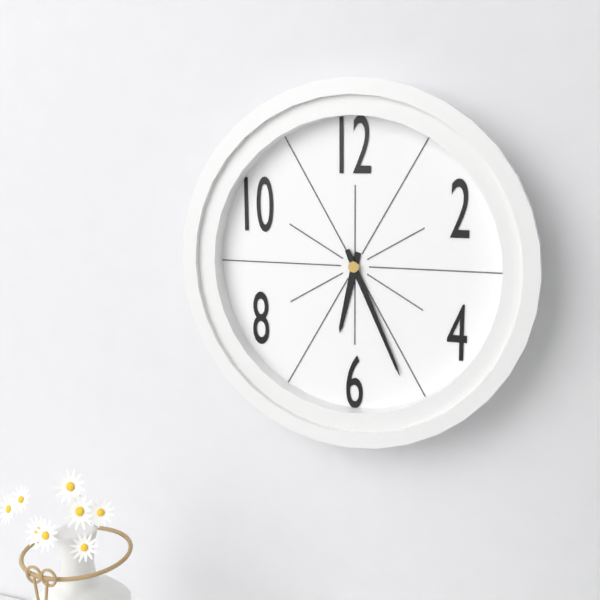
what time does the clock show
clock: 6:26
